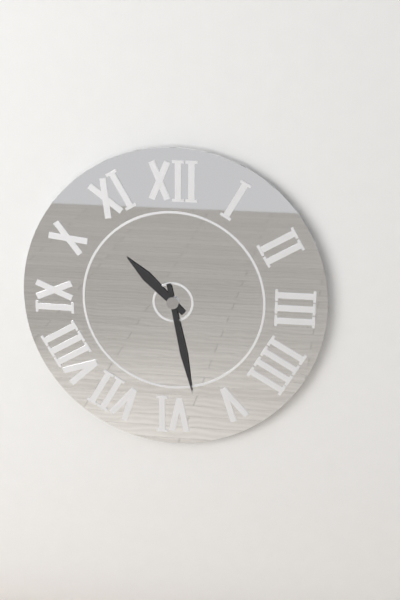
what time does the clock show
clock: 10:28
